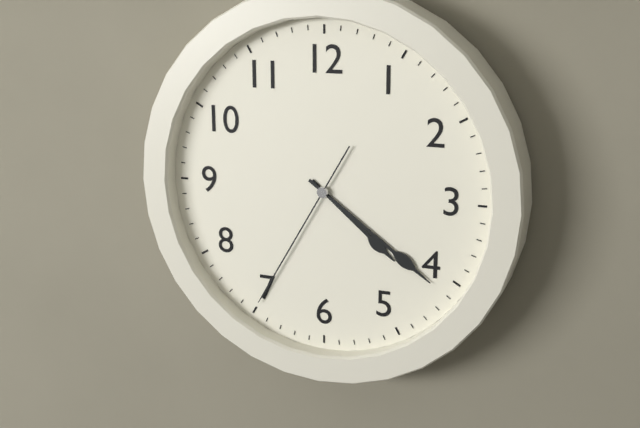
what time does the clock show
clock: 4:21:35
